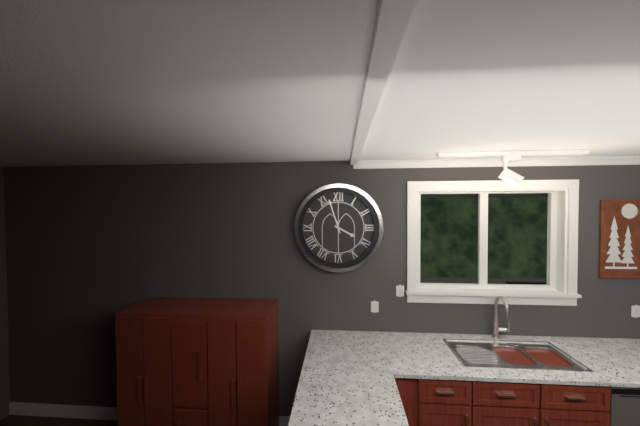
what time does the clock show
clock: 3:57
